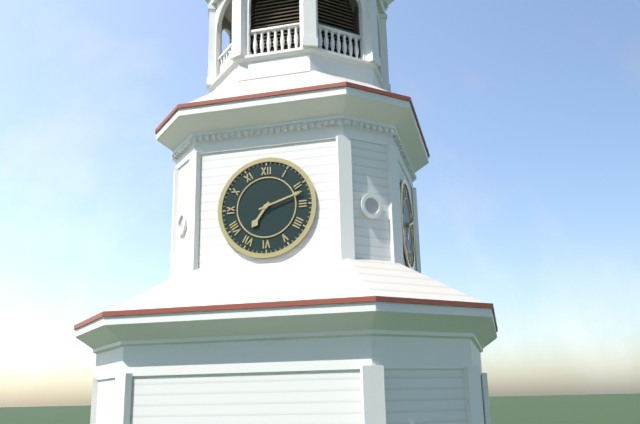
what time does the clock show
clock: 7:12
